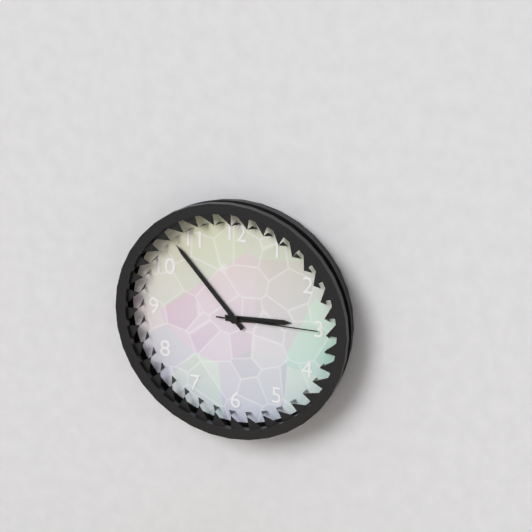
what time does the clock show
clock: 2:53:15
